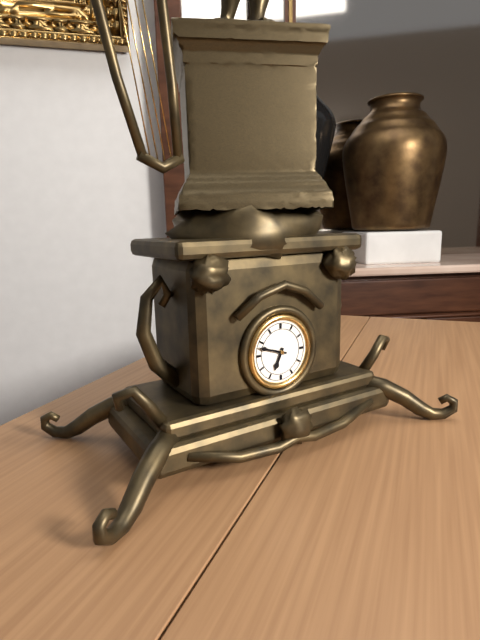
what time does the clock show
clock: 6:48
